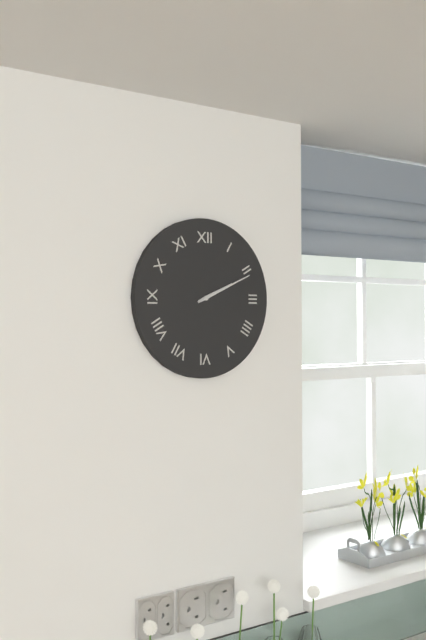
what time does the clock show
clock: 2:11
